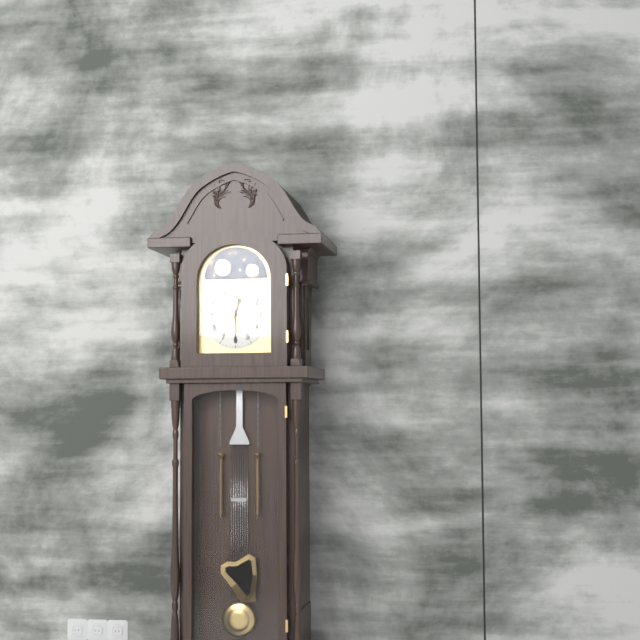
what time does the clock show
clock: 12:30
